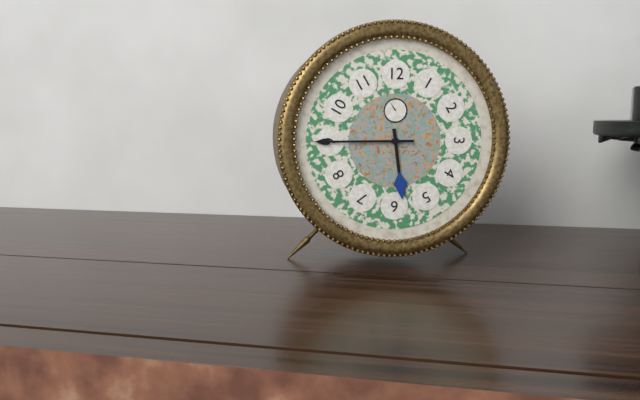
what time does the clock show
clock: 5:45
